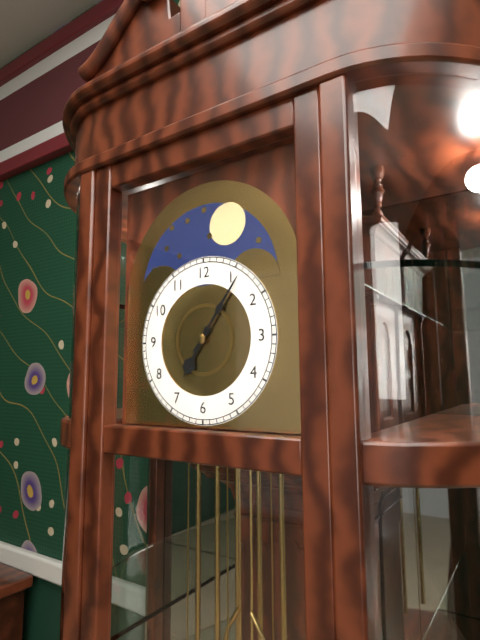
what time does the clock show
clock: 7:06
